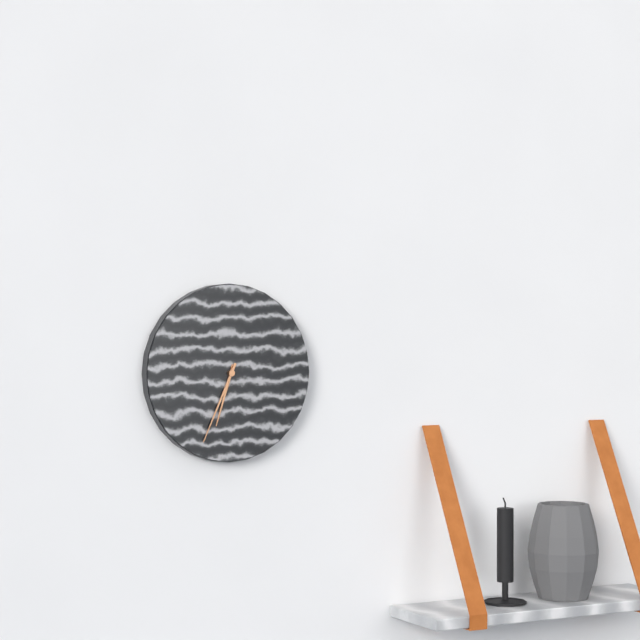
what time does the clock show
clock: 6:34
